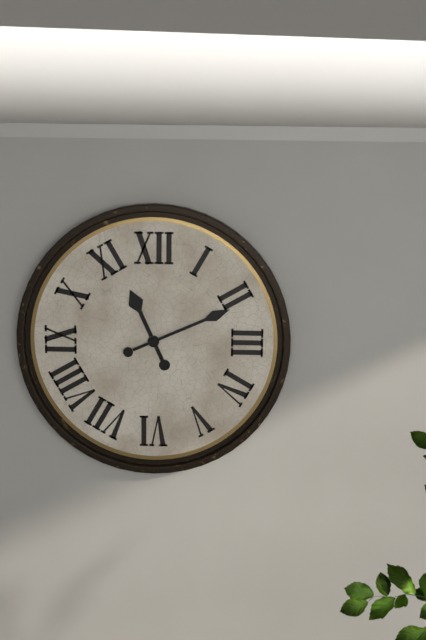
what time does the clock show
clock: 11:11
